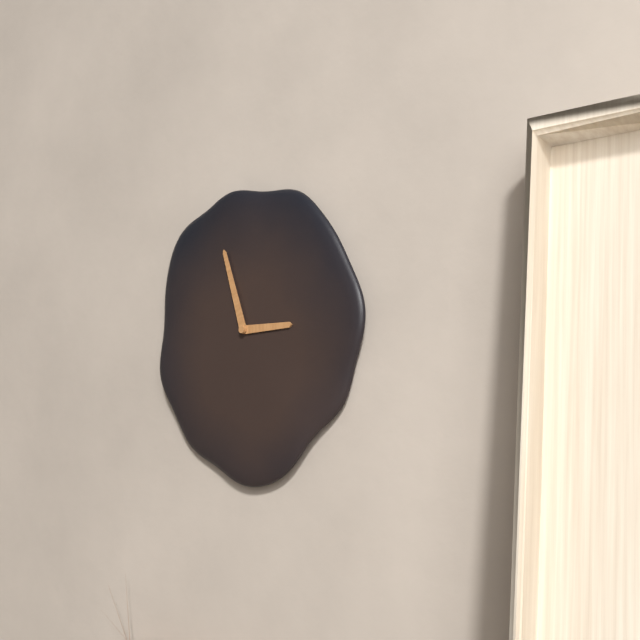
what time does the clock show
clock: 2:57
